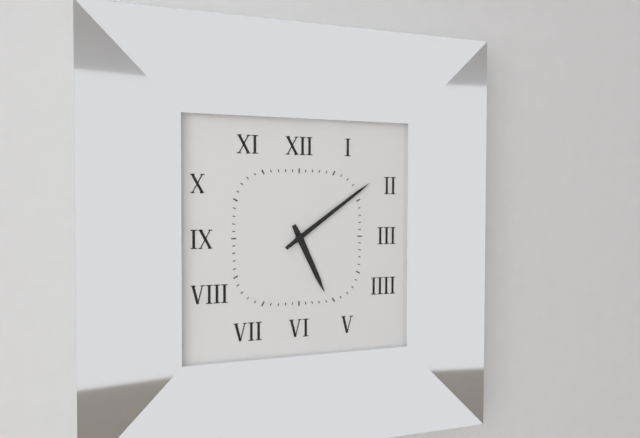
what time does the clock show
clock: 5:09
